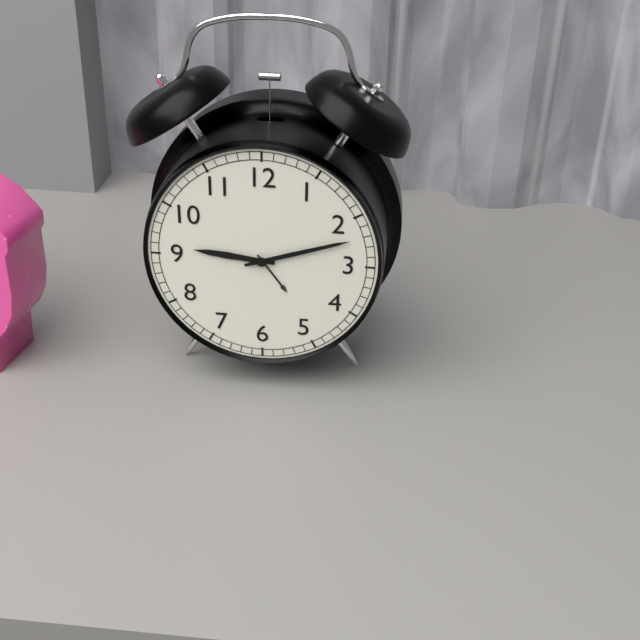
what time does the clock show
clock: 9:12
